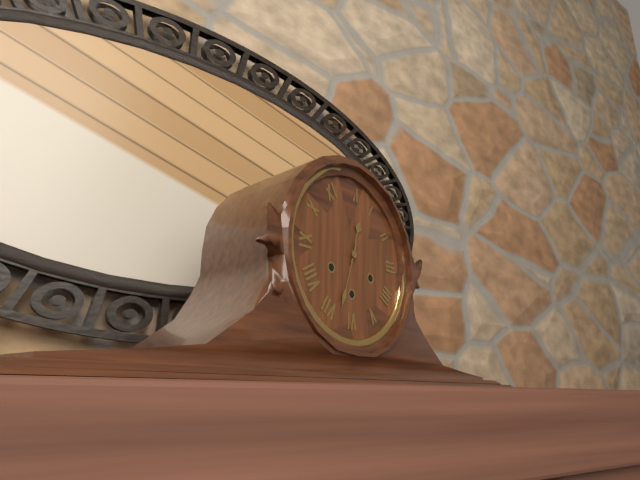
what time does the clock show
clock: 12:33
